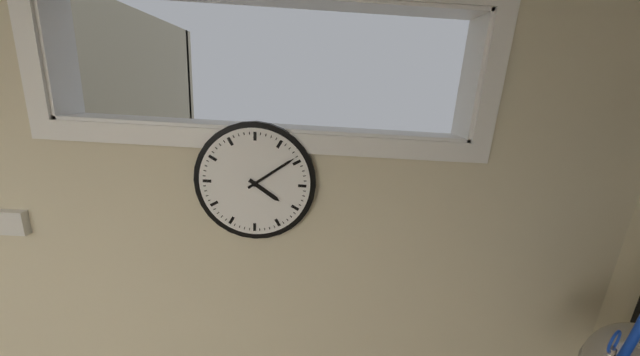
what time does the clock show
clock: 4:09
